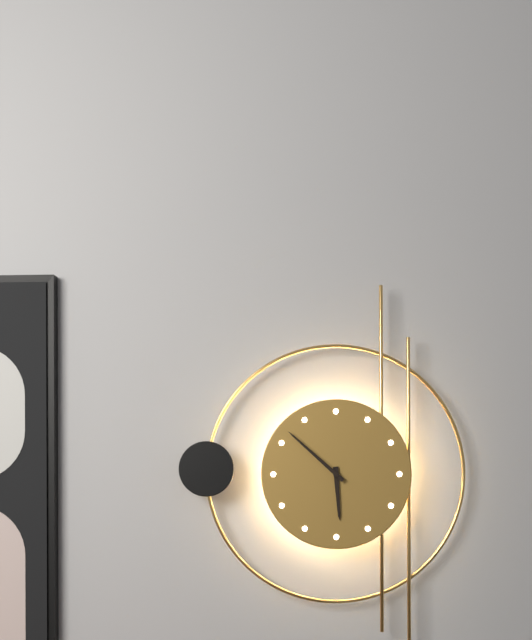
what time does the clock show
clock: 5:52
